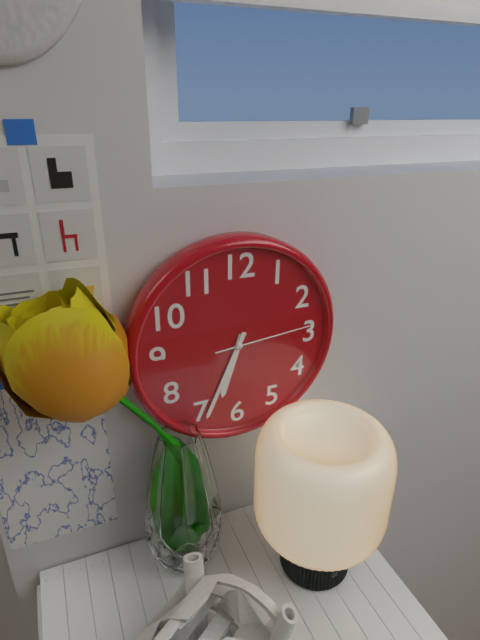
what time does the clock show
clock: 6:34:14
